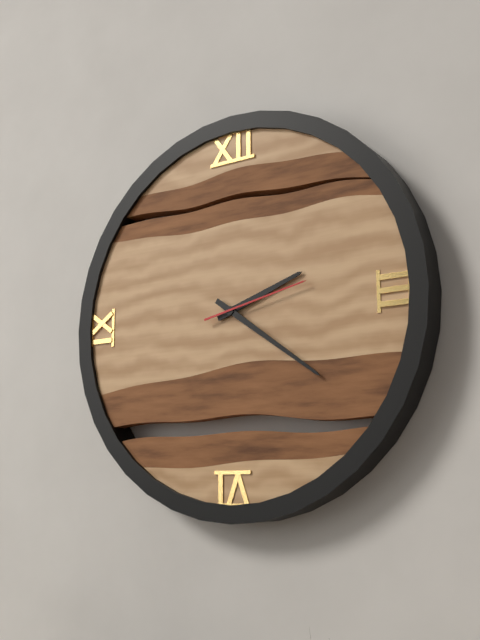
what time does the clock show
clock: 2:21:13
